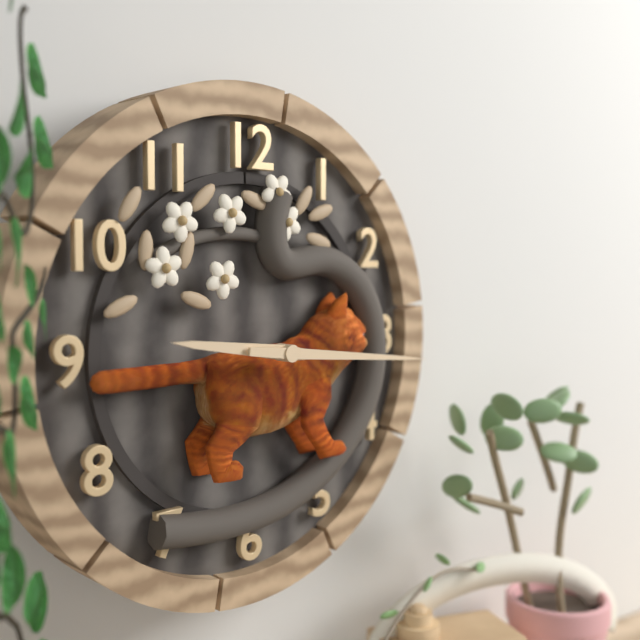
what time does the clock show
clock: 9:16
